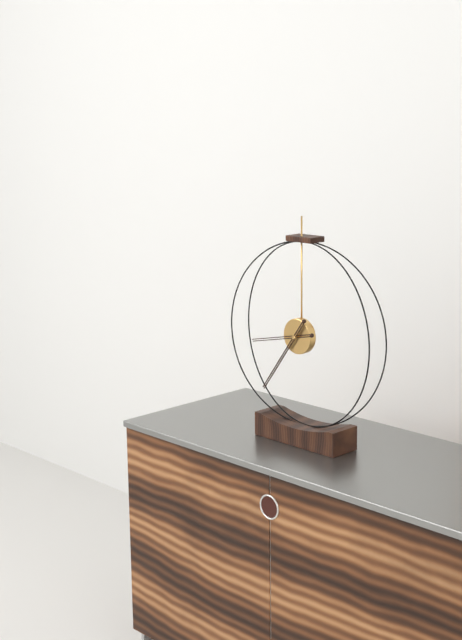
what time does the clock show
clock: 8:36
